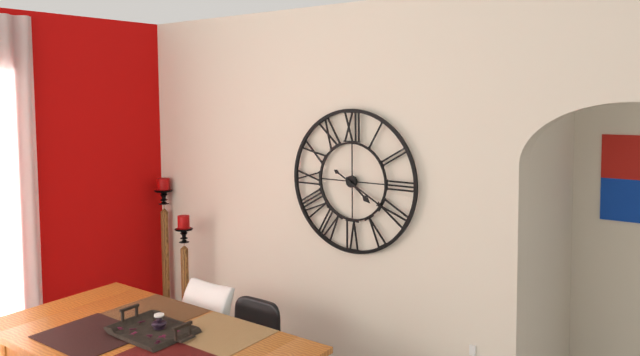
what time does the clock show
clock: 4:20
